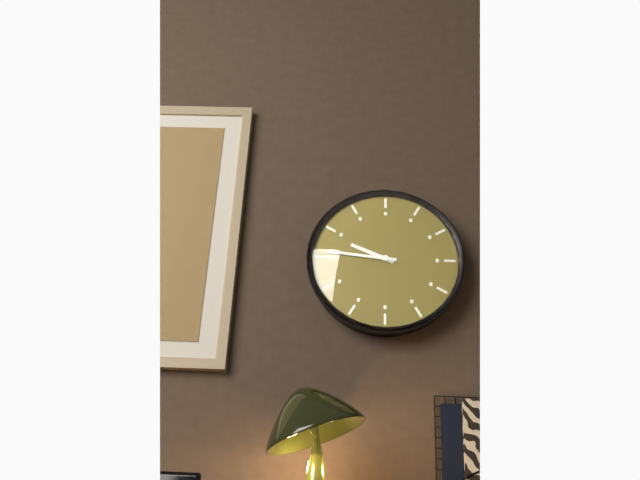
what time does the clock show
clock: 9:46
